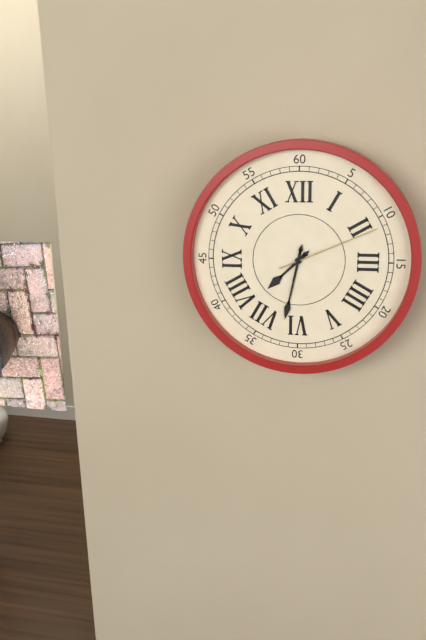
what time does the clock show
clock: 7:32:11
